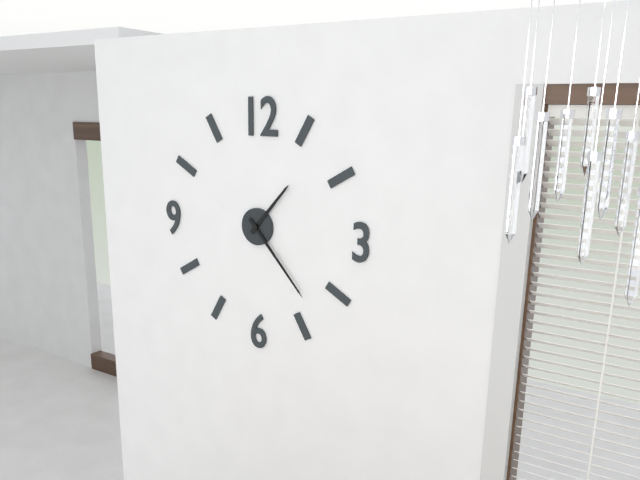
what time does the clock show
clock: 1:23
